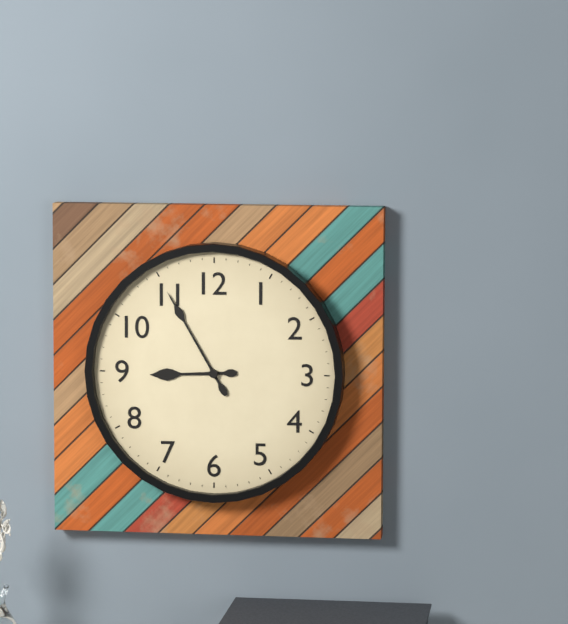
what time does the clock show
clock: 8:55
